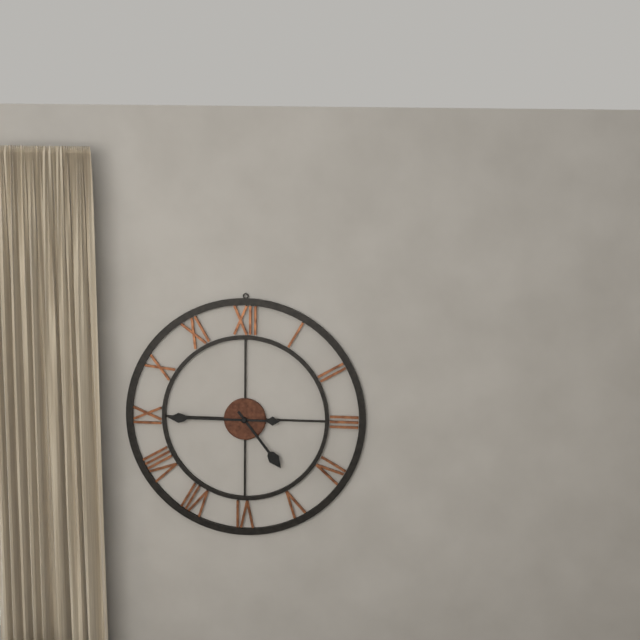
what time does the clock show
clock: 4:45
